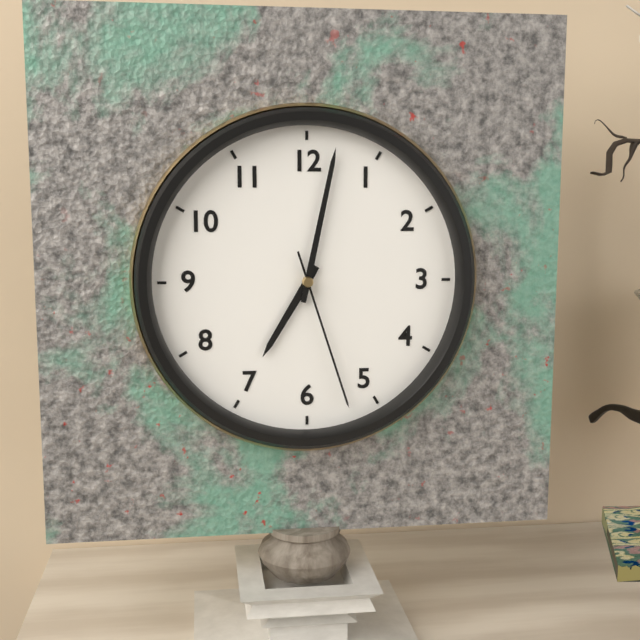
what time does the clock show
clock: 7:02:27
